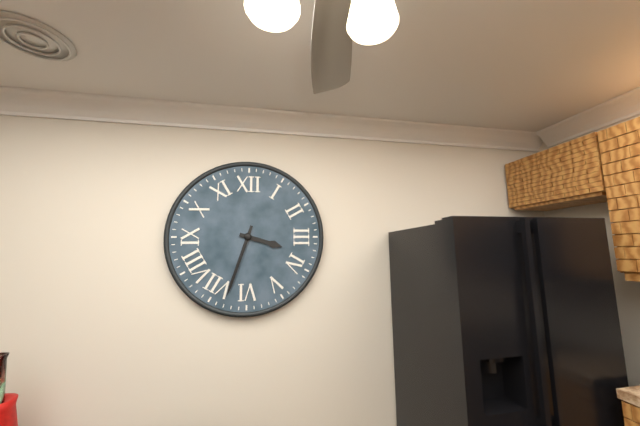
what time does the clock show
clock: 3:33
